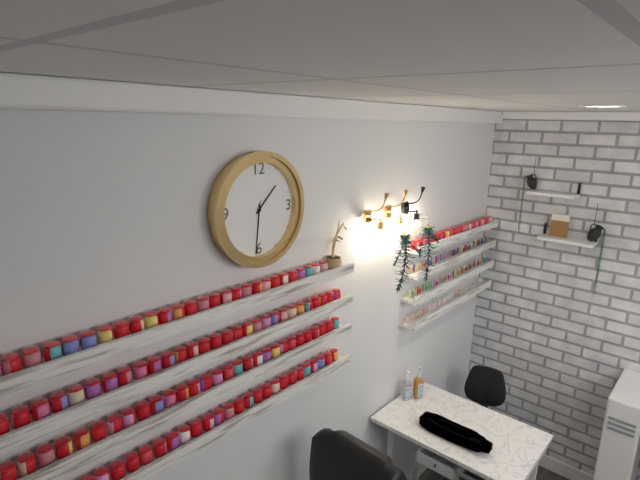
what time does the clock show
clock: 1:31:31
